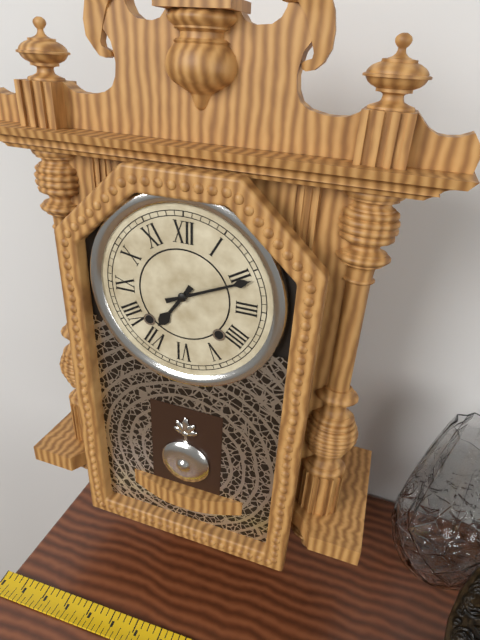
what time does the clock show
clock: 7:11
